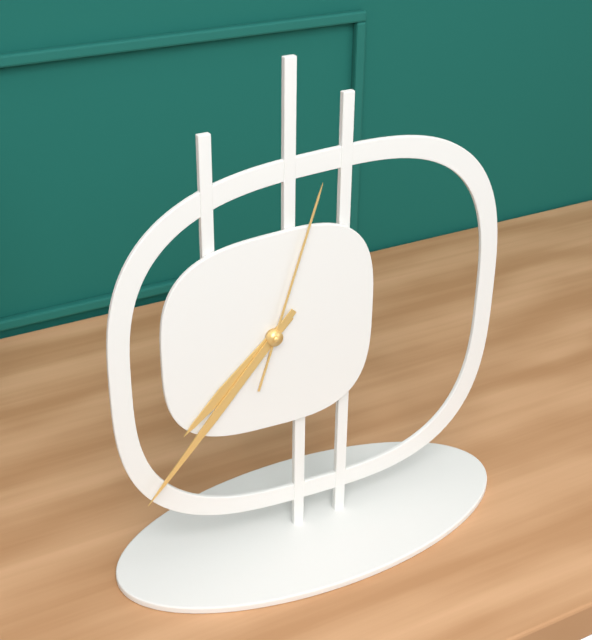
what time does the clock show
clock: 7:37:03
